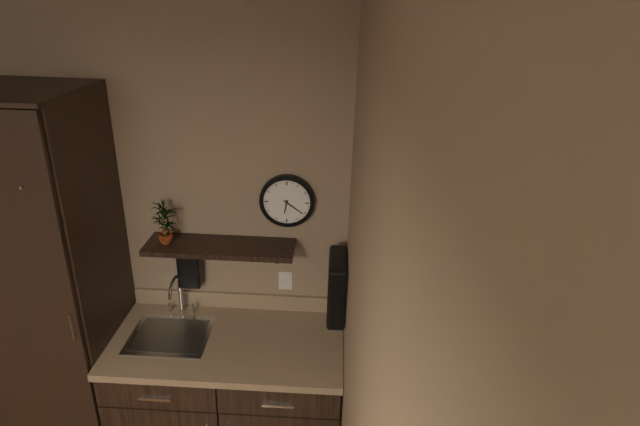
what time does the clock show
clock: 6:21
